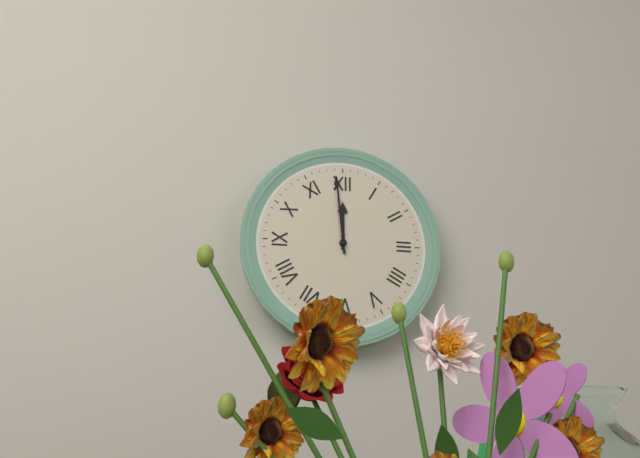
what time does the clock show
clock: 11:59
